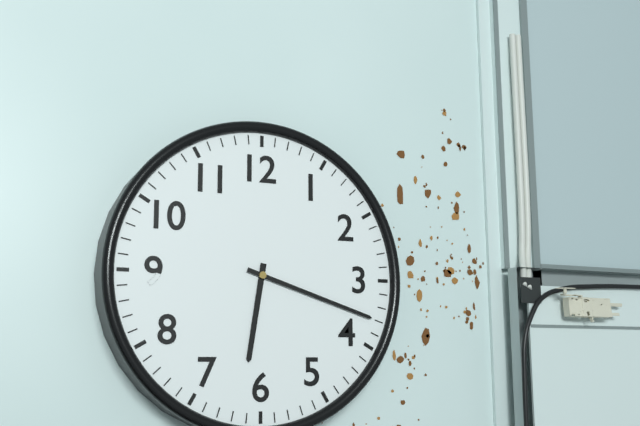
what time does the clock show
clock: 6:18
